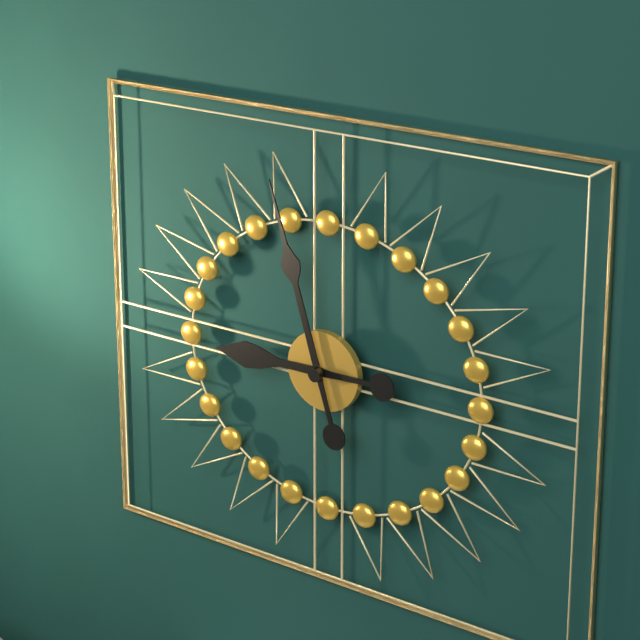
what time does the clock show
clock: 8:57
